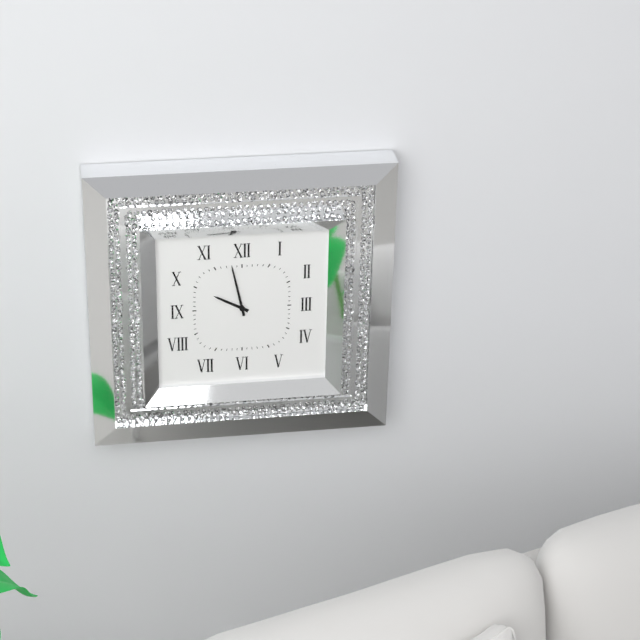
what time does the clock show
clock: 9:58
